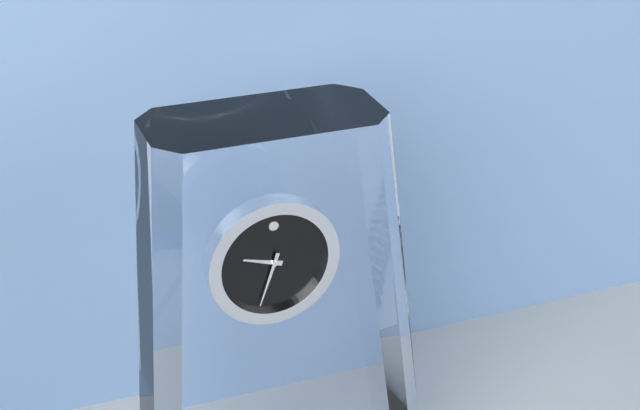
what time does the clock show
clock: 9:33
